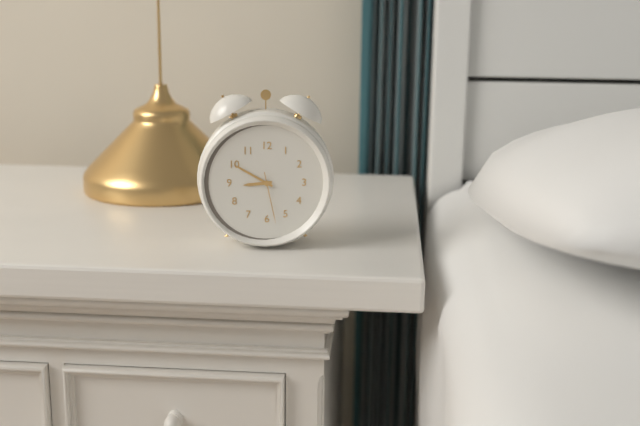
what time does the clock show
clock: 8:50:28
